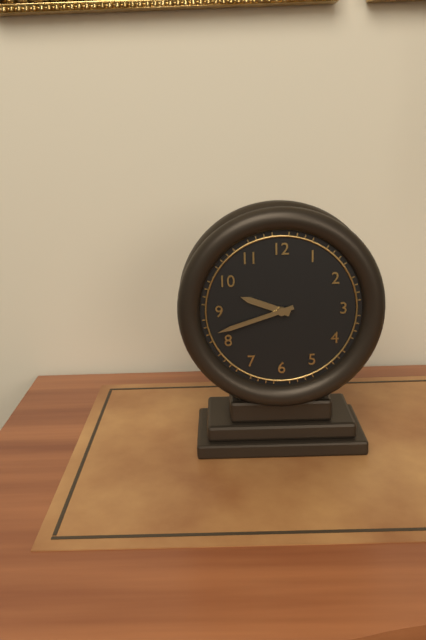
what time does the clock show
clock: 9:42
